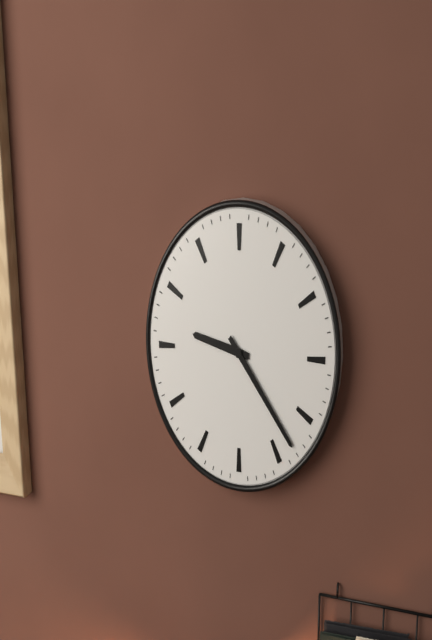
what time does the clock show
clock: 9:23
